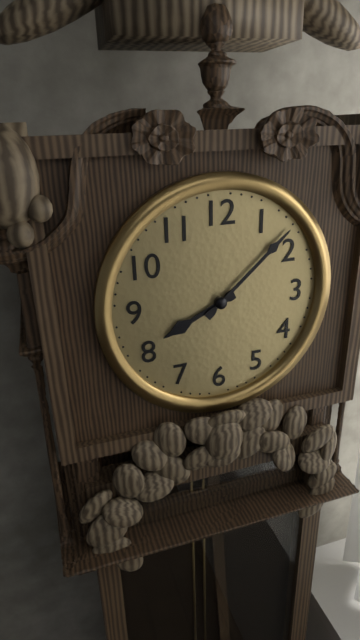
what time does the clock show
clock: 8:08
